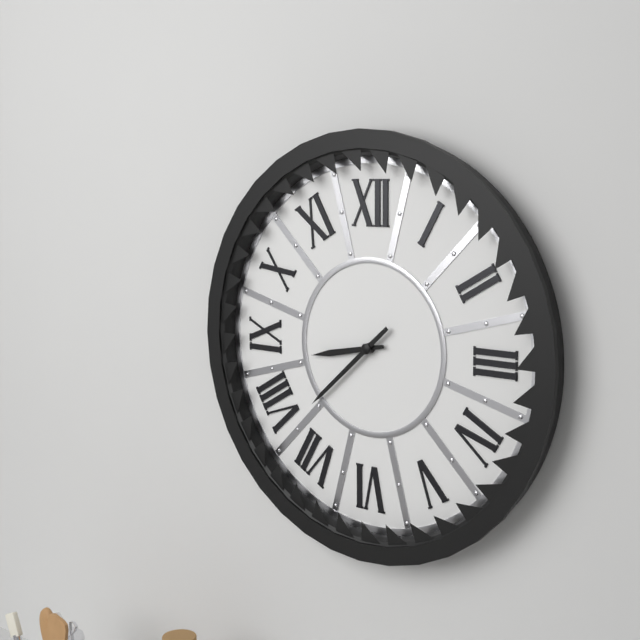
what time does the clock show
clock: 8:38
